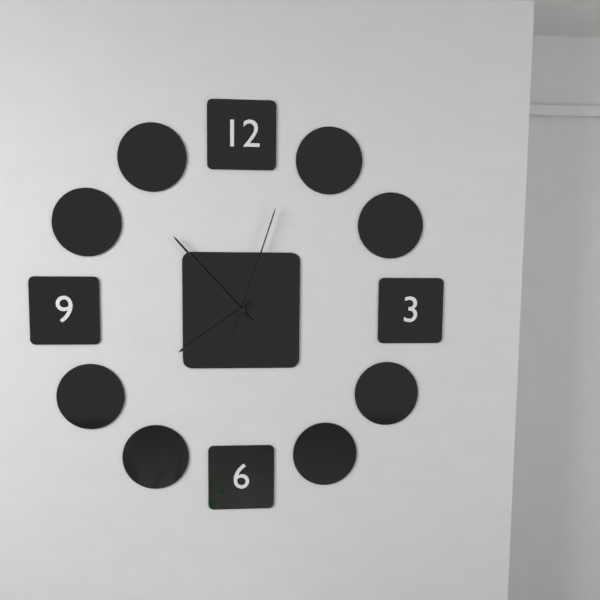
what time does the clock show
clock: 7:53:03
